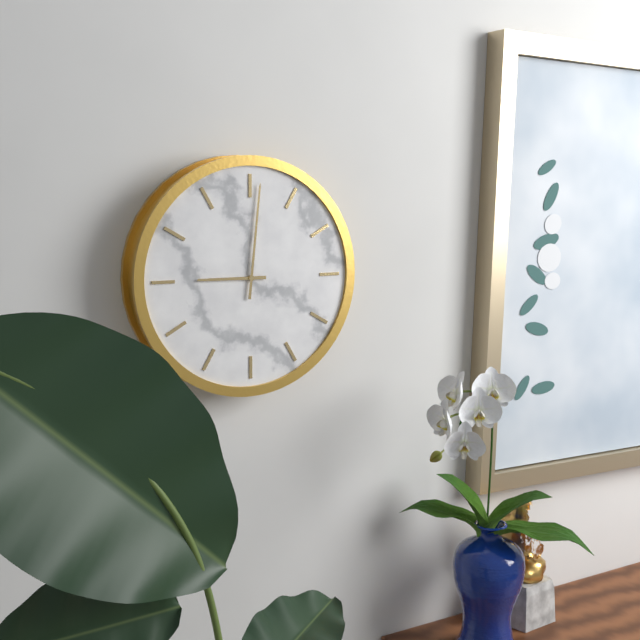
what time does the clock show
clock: 9:01
